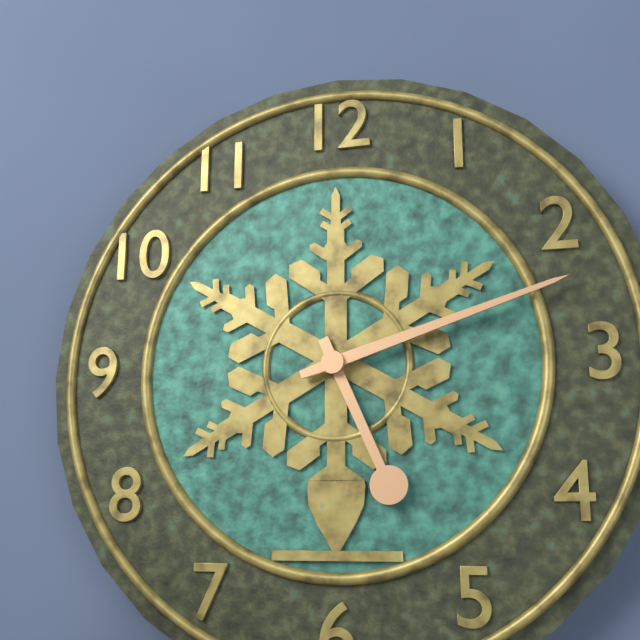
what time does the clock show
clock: 5:12
